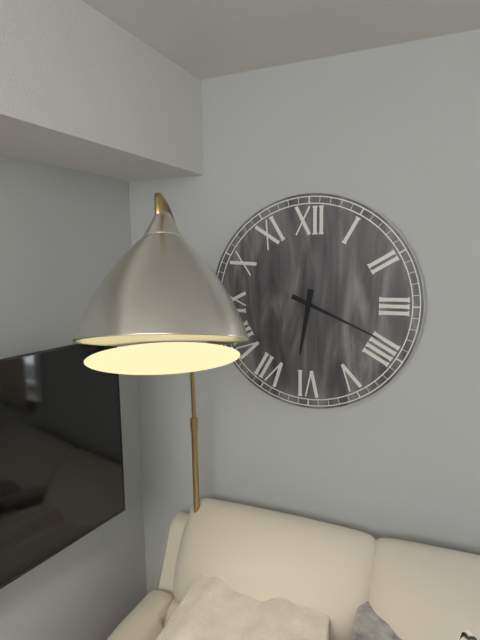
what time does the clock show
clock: 6:19
